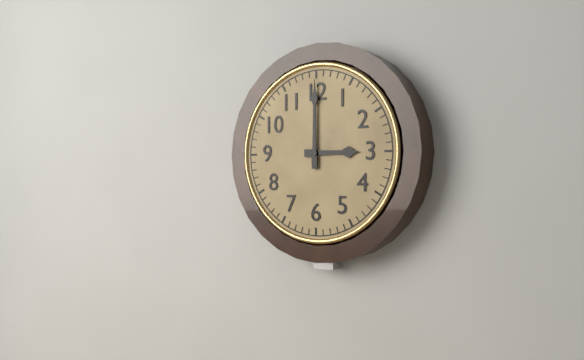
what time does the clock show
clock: 3:00
